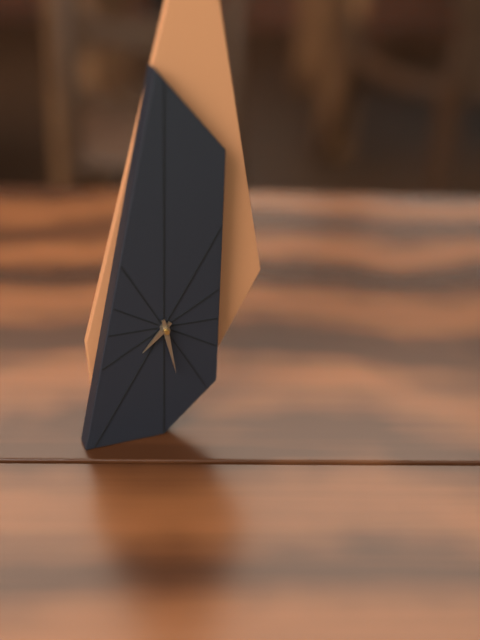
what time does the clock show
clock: 7:28
